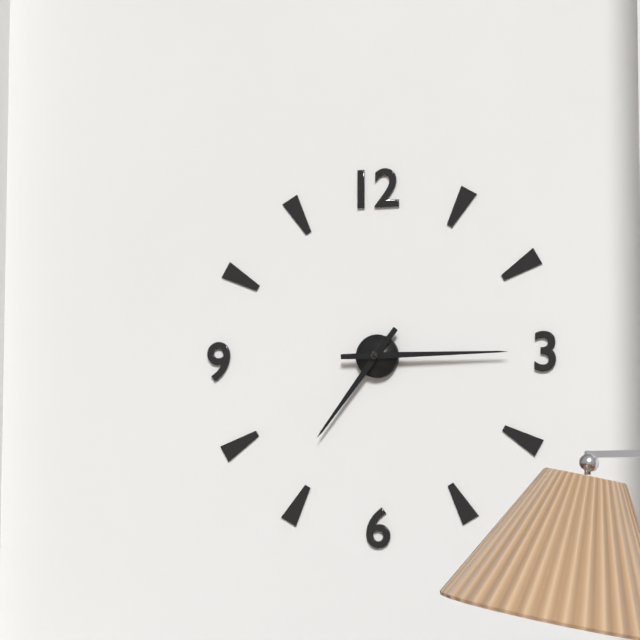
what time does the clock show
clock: 7:15
